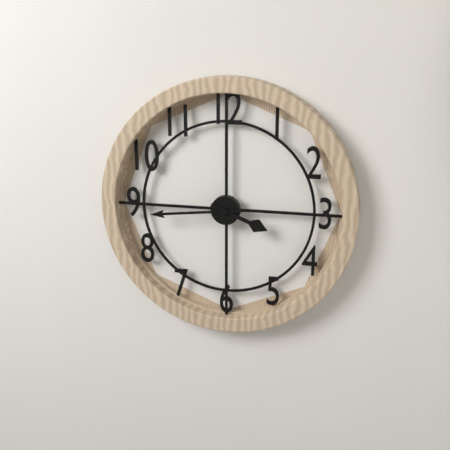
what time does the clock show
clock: 3:44
